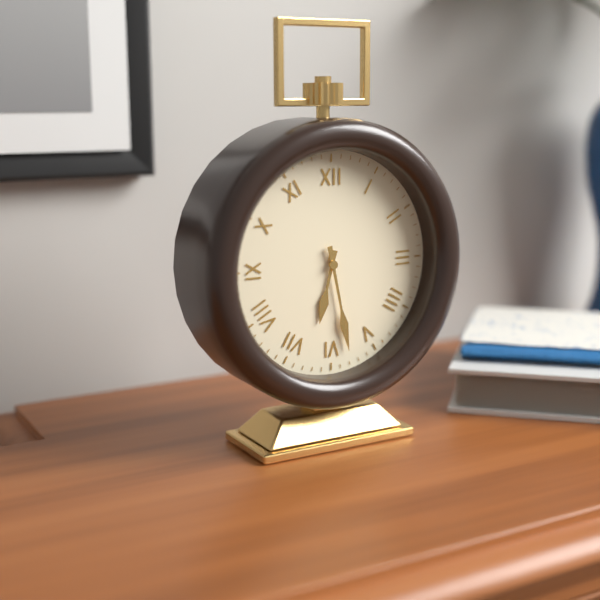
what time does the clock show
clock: 6:28
